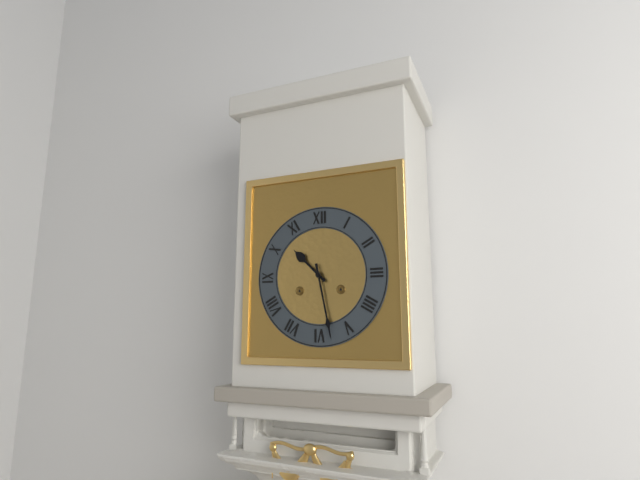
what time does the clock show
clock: 10:28
